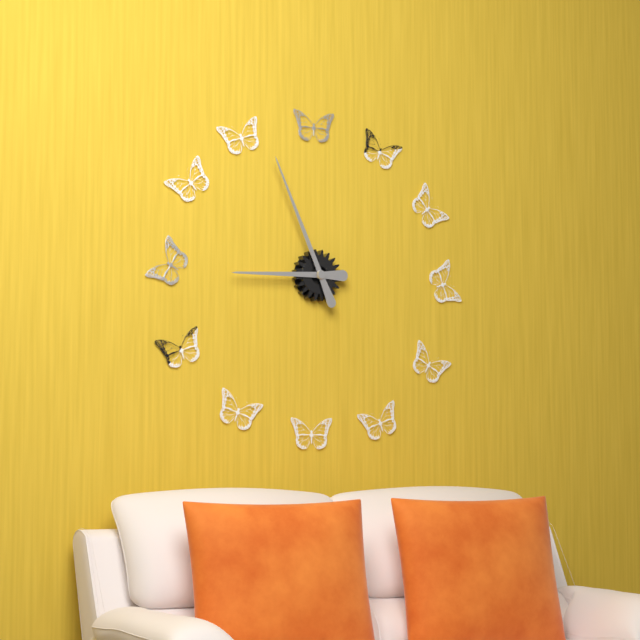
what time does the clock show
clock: 8:56
